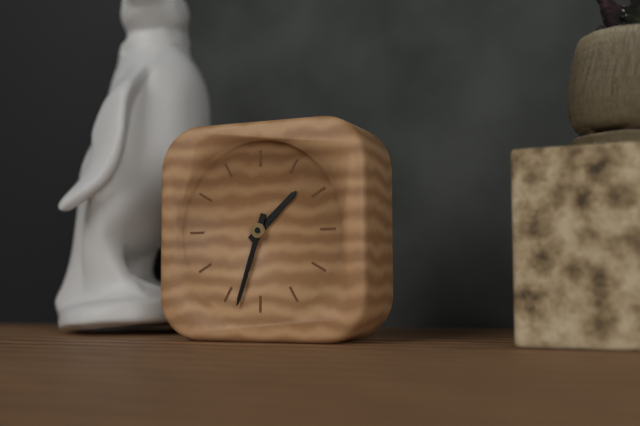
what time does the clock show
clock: 1:33
